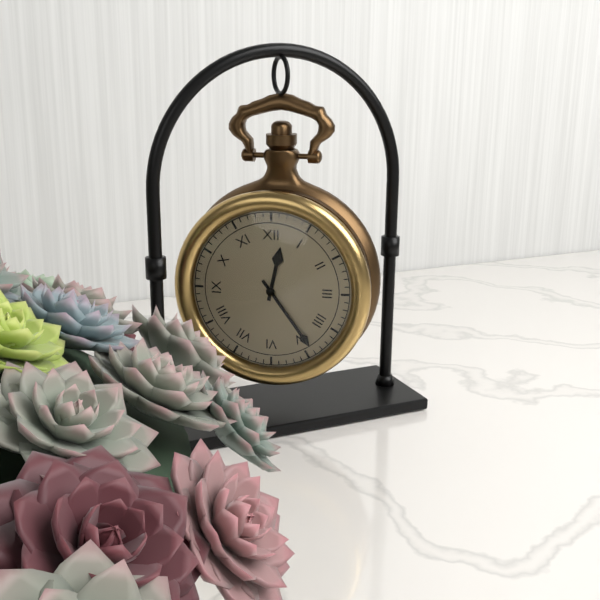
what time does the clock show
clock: 12:24
